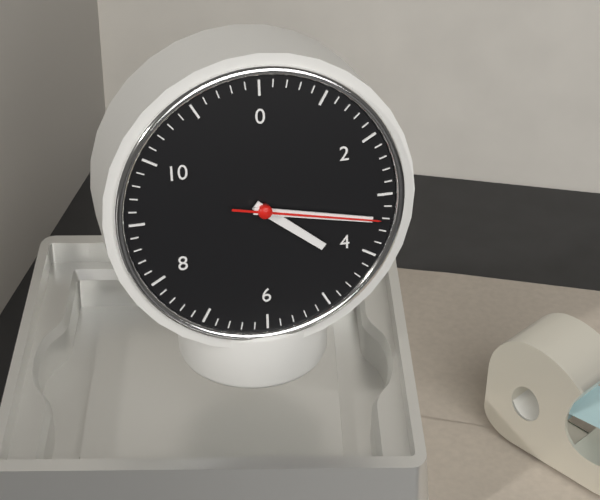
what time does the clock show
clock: 4:17:17
